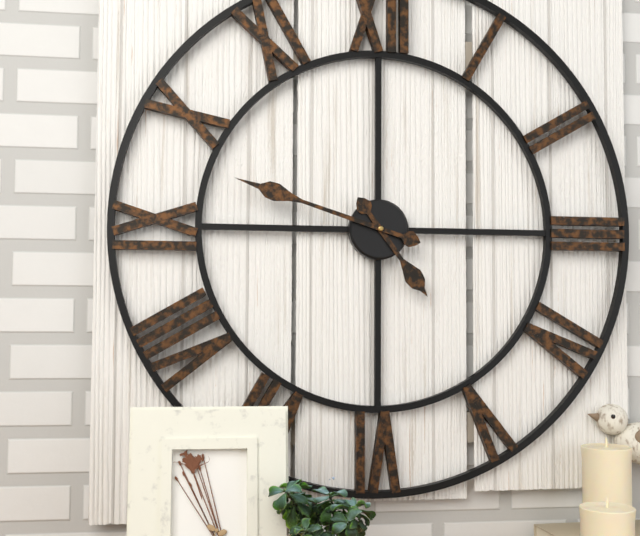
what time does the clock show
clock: 4:48
